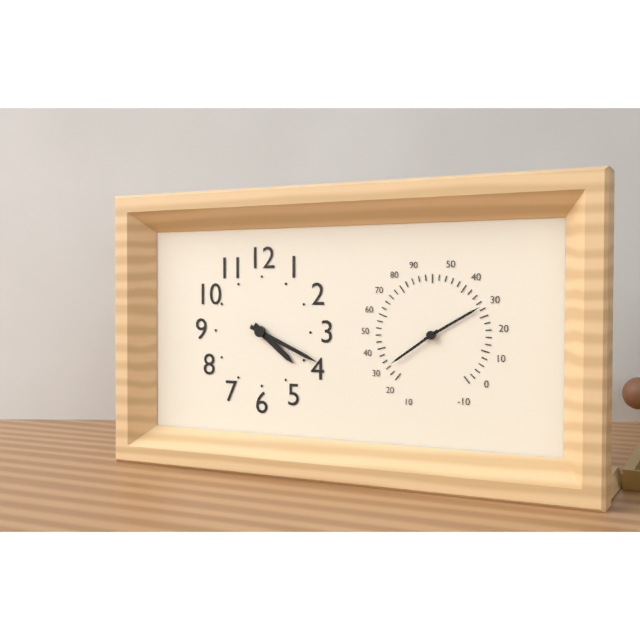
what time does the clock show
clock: 4:19
